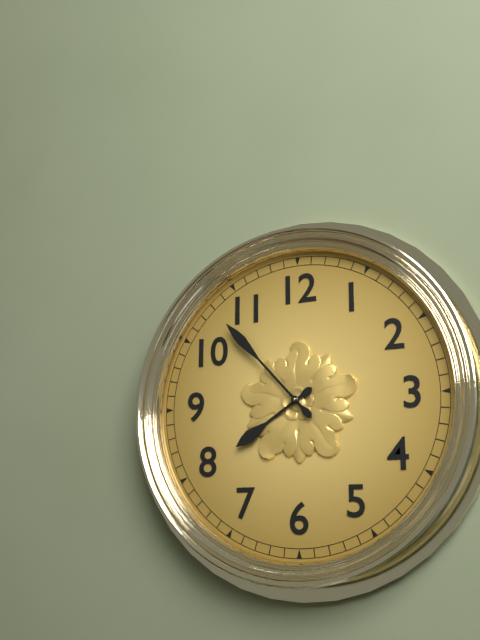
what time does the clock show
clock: 7:53
